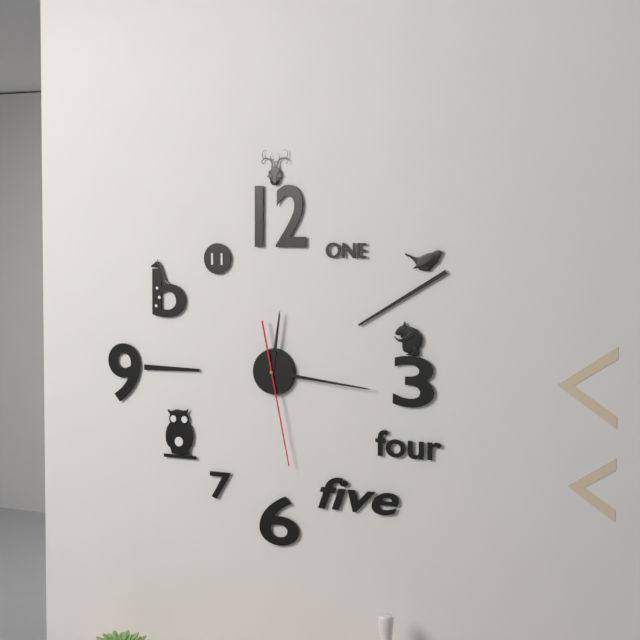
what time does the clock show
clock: 12:16:28
